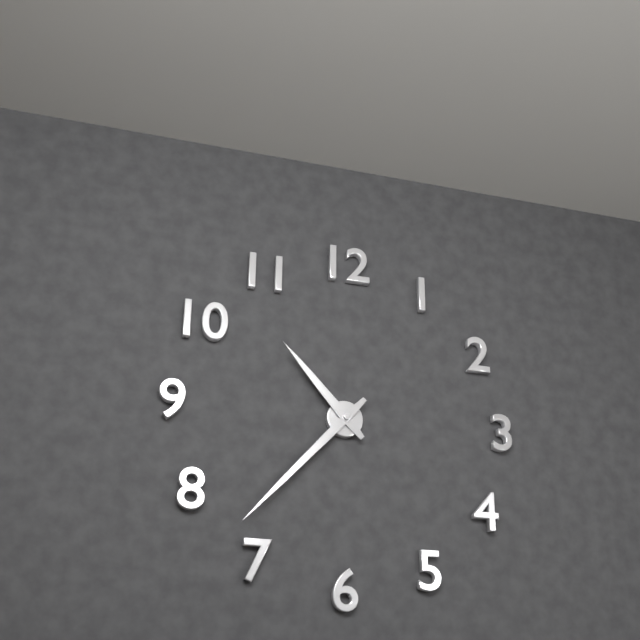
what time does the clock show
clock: 10:37
